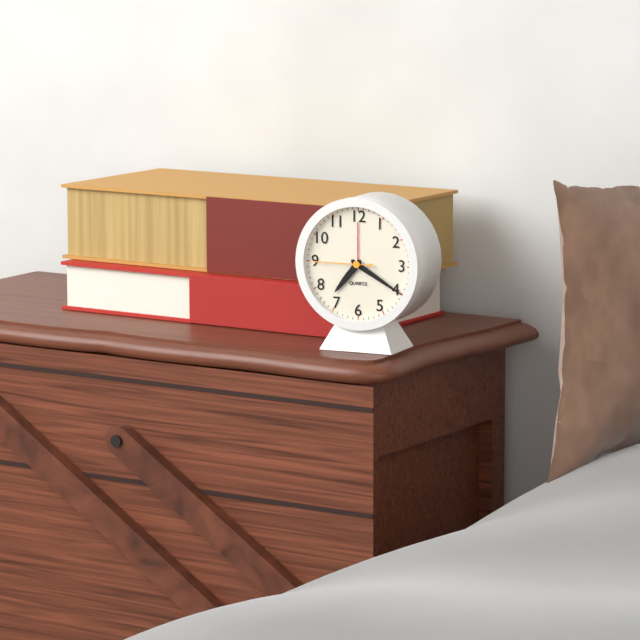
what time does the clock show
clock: 7:20:45
